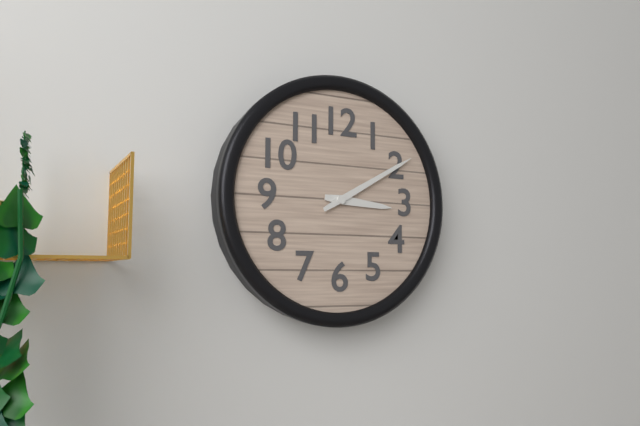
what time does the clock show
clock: 3:10
